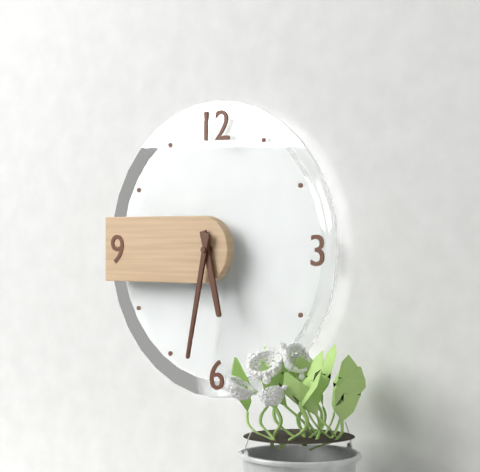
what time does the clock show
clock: 5:32
